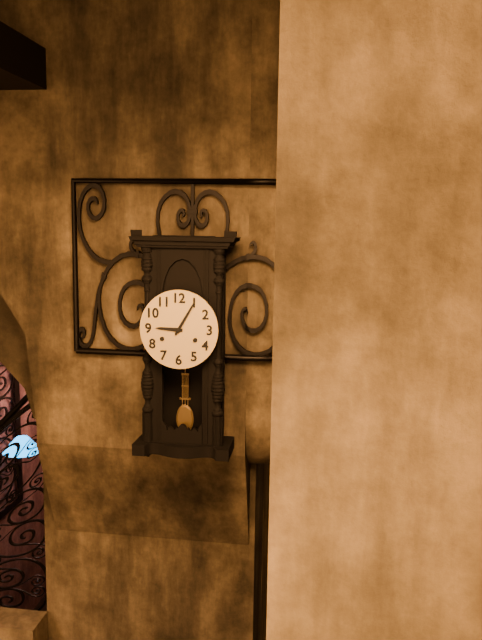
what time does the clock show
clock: 9:05
